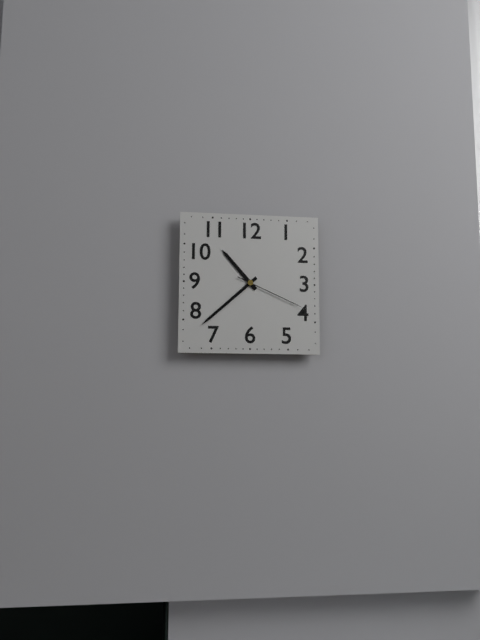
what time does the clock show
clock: 10:38:19
